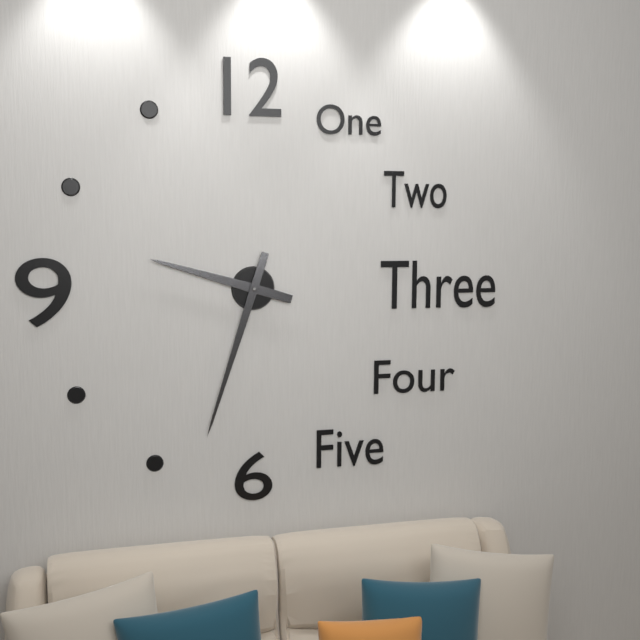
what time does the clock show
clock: 9:33
